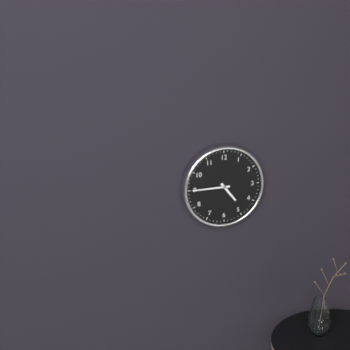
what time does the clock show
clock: 4:45
